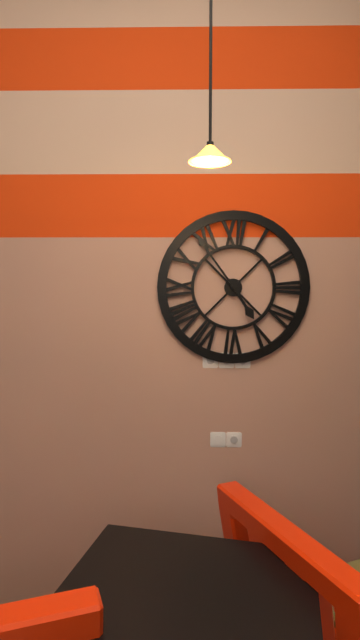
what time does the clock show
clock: 4:54
